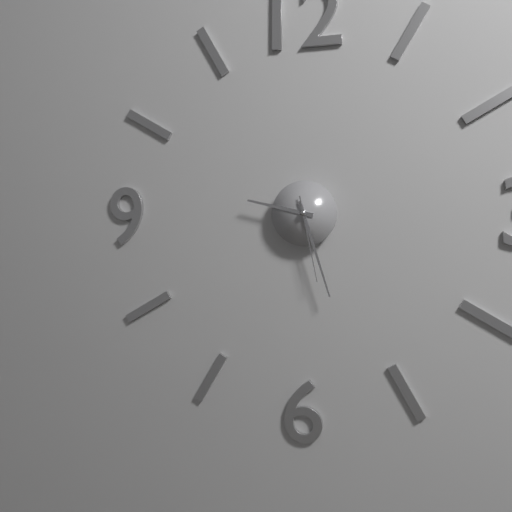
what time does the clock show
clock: 9:27:28
